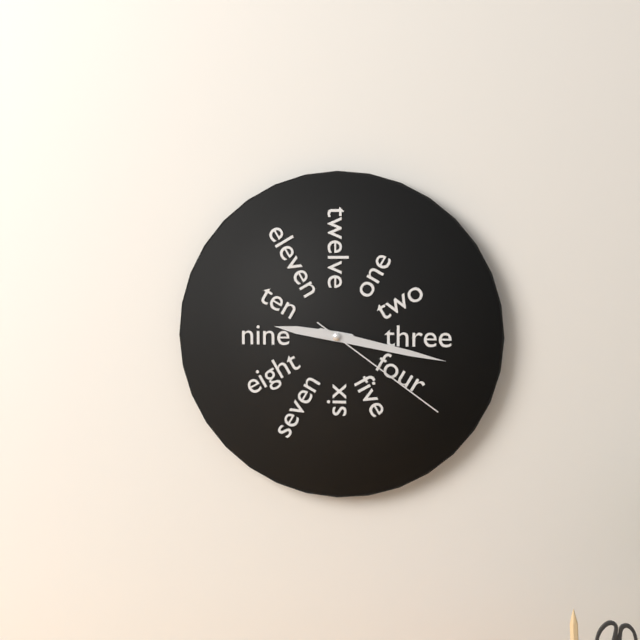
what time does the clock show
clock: 9:17:21
